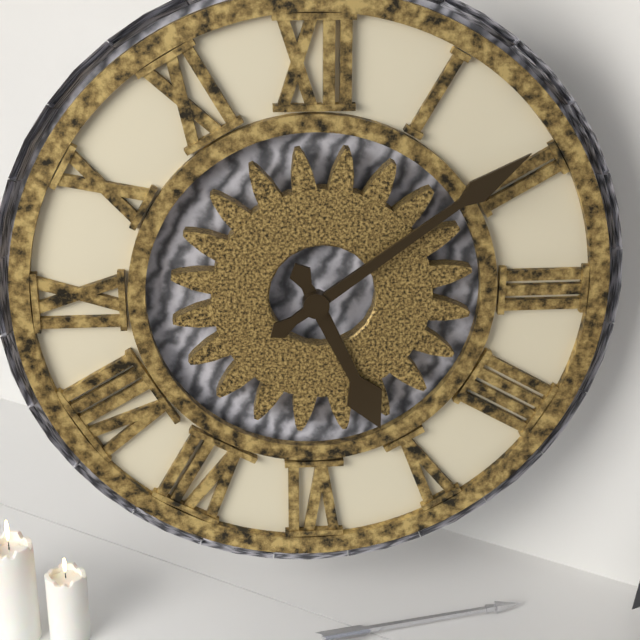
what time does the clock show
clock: 5:09
